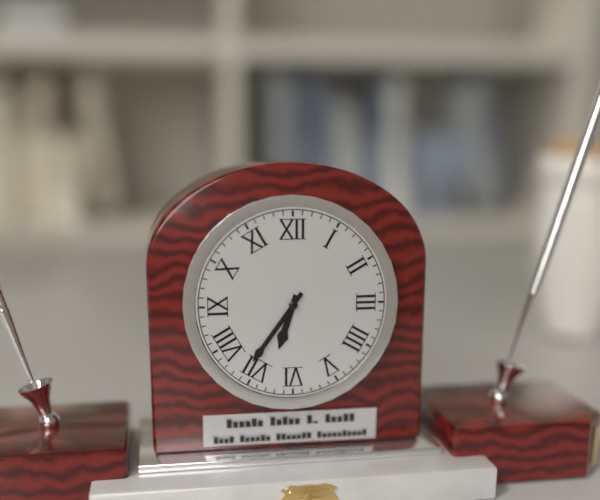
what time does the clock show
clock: 6:36
